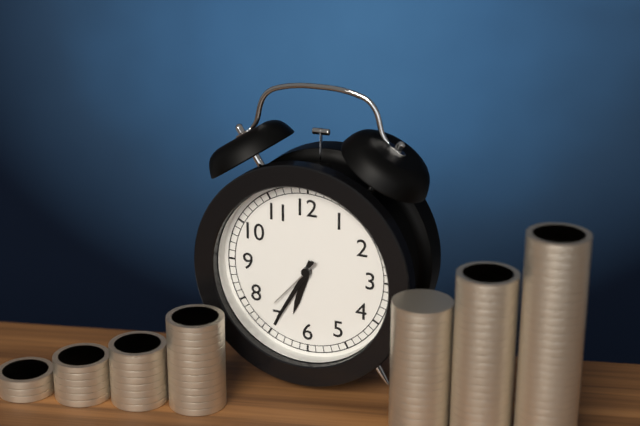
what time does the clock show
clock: 6:35:37
